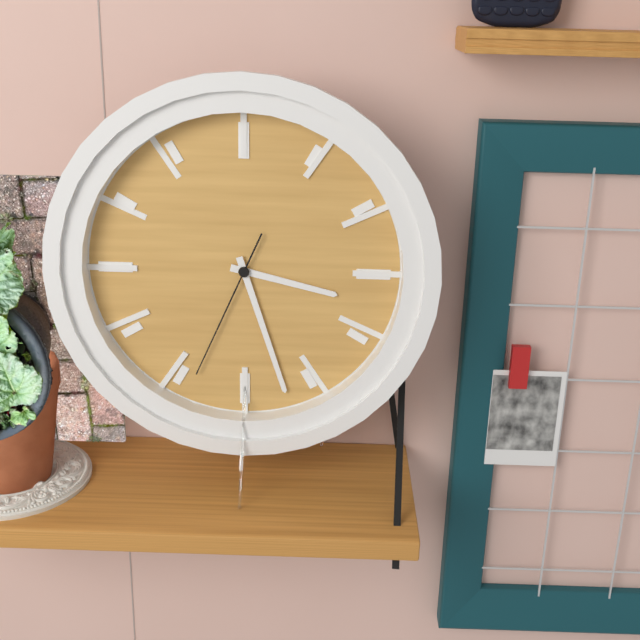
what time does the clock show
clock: 3:27:34
